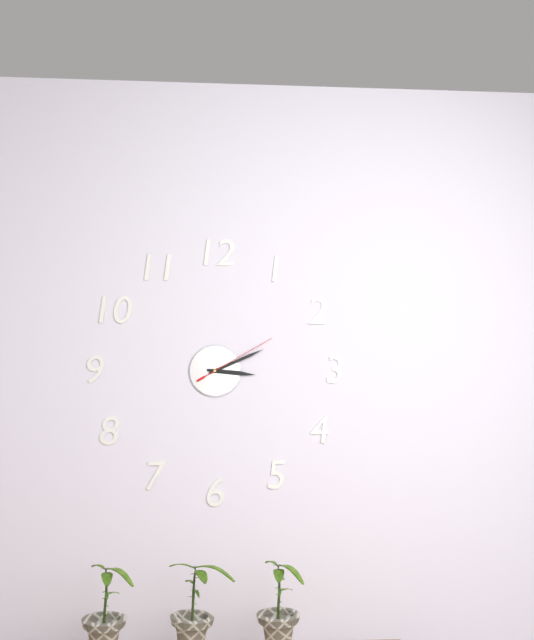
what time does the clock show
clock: 3:11:10
